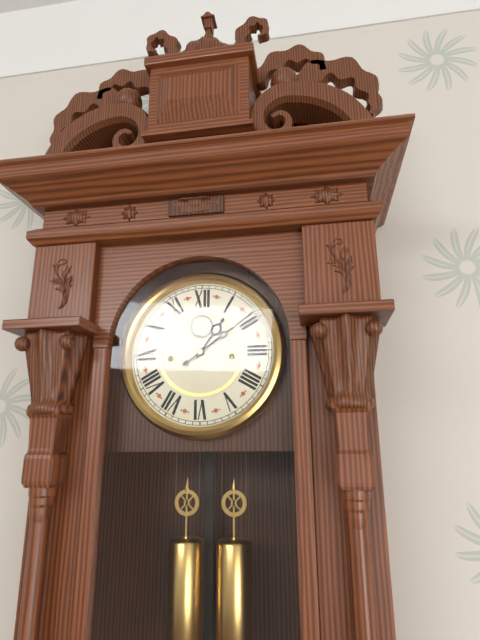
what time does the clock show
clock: 1:09
